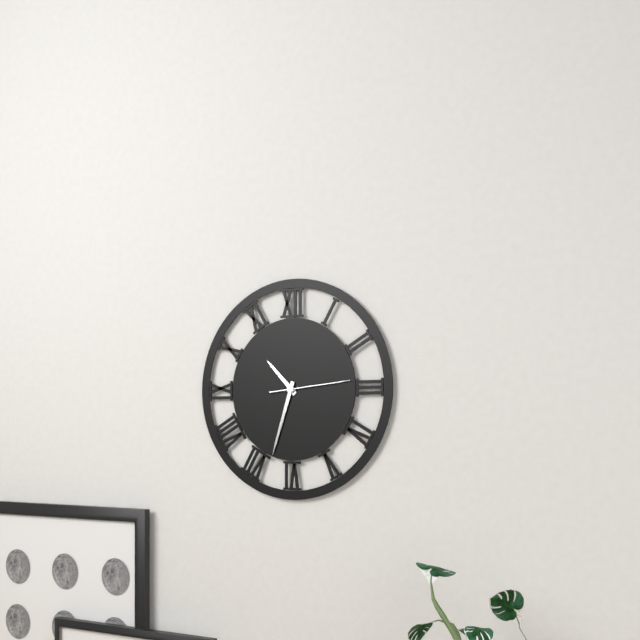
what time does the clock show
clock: 10:33:14
